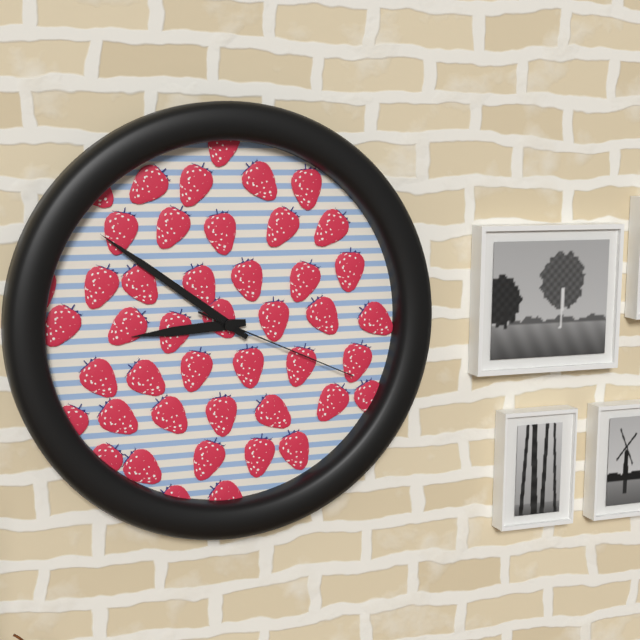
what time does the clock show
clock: 8:51:19
